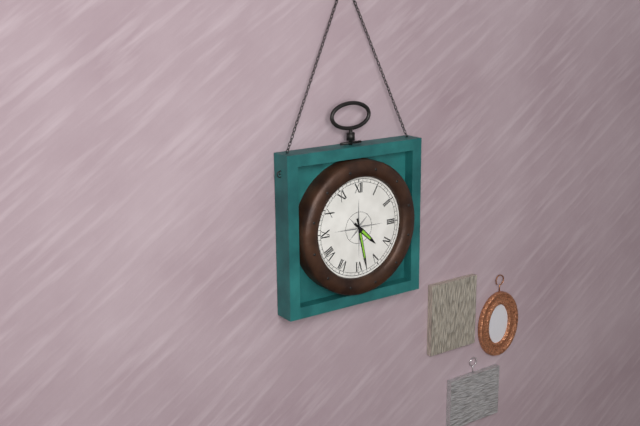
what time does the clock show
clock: 4:28
